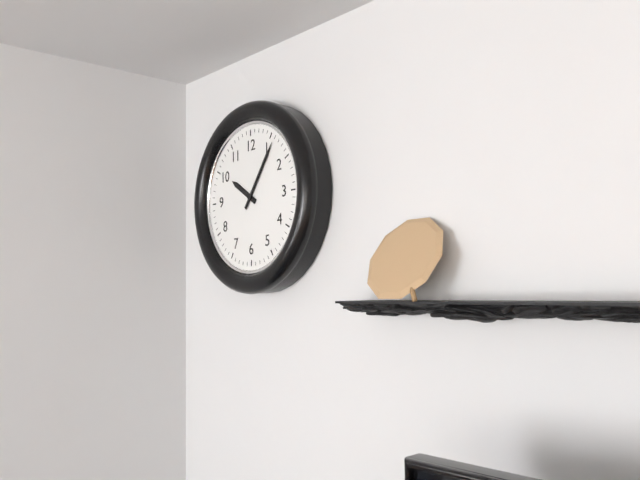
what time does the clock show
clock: 10:06
